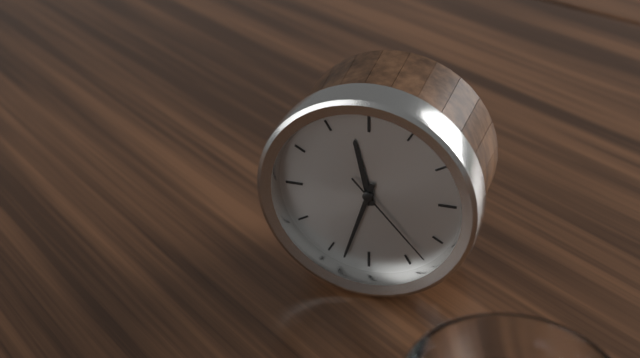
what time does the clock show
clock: 11:33:23
